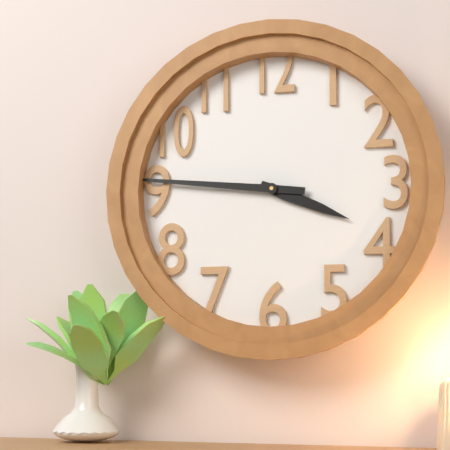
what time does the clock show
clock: 3:46
